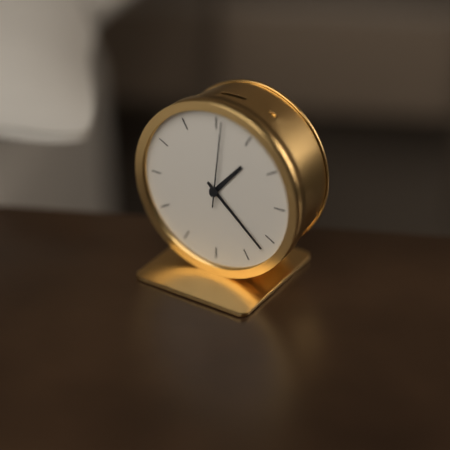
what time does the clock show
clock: 1:22:01
